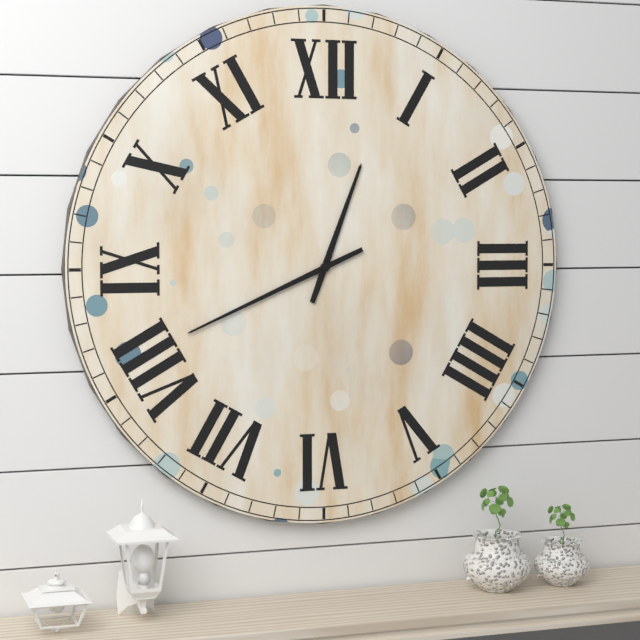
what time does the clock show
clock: 12:41
